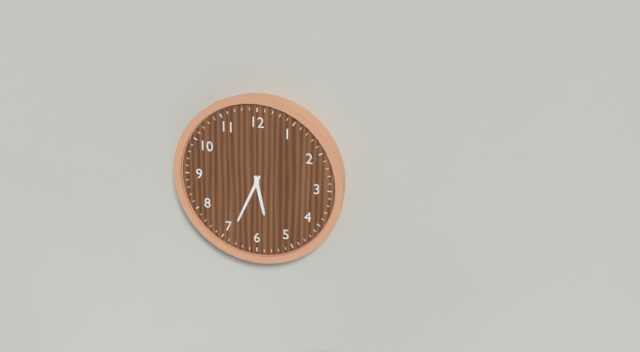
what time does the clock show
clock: 5:34
